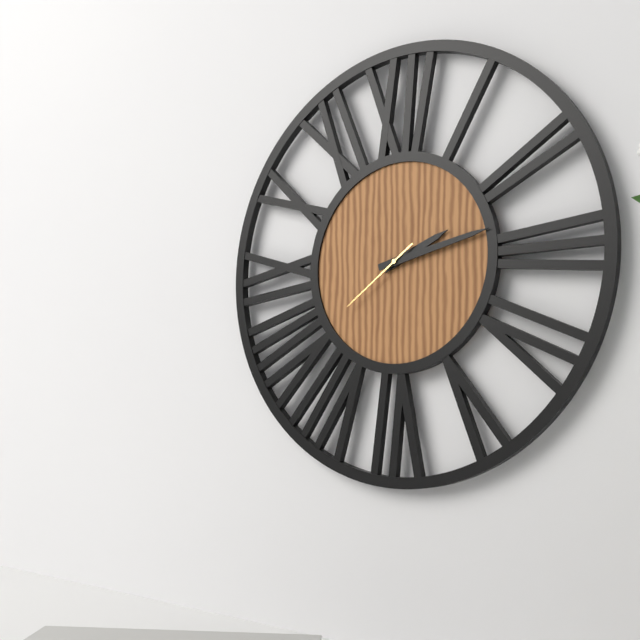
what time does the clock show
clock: 2:13:39
